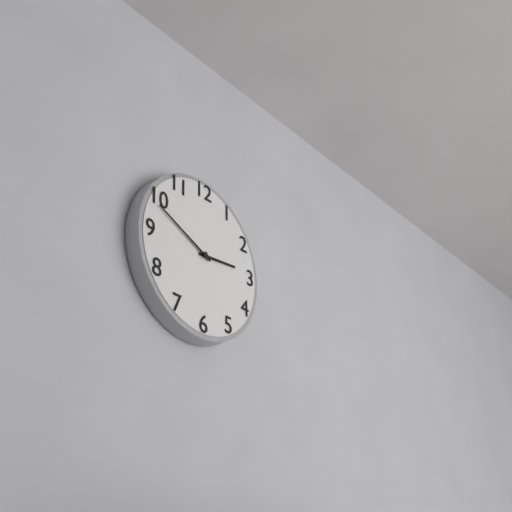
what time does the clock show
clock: 2:49
